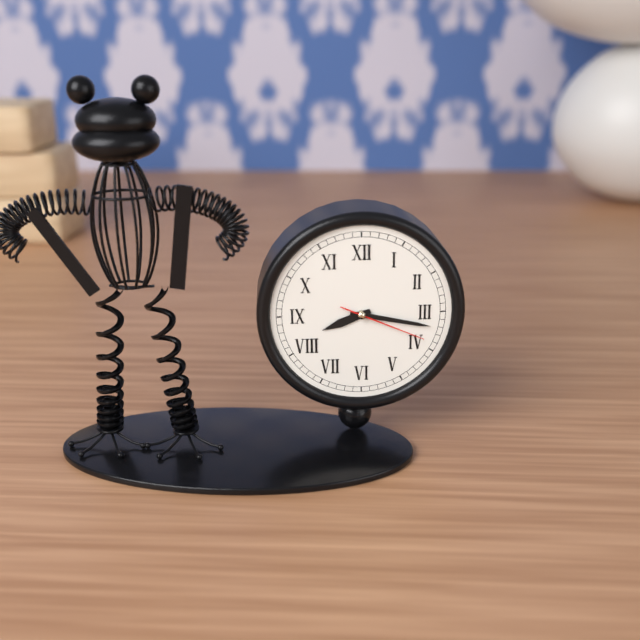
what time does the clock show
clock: 8:17:19
